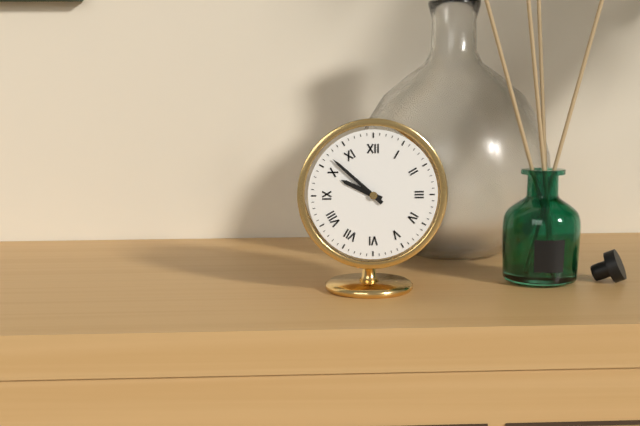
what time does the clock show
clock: 9:52
